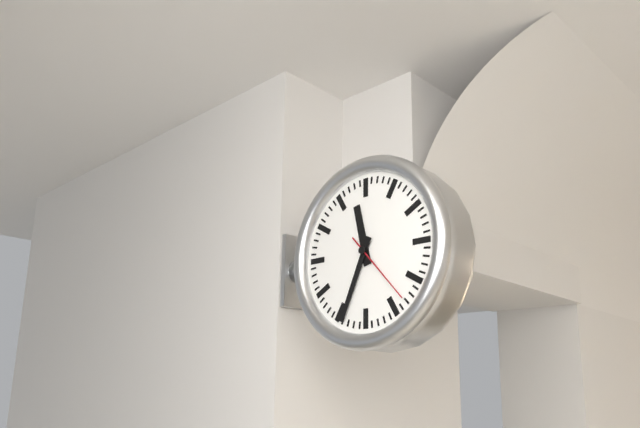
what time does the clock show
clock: 11:34:23
